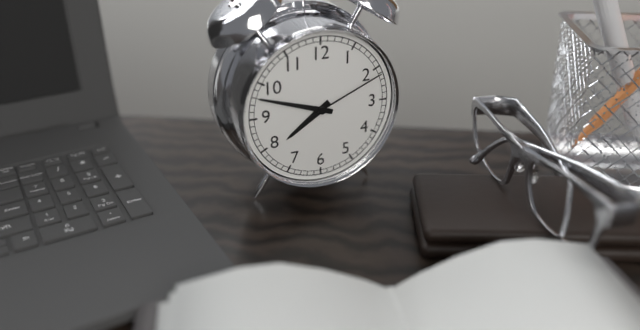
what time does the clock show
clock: 7:48:11
